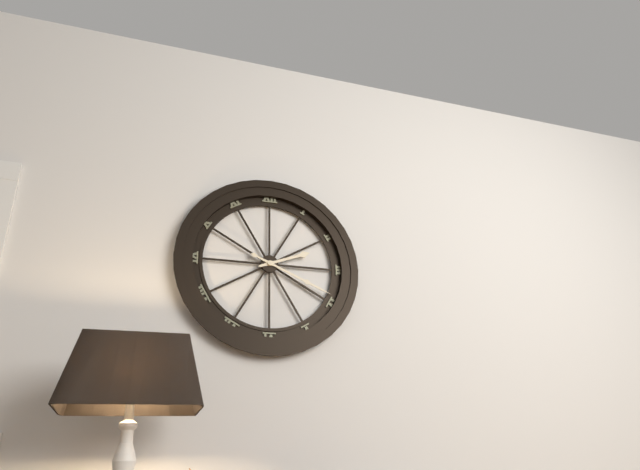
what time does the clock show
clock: 2:19
